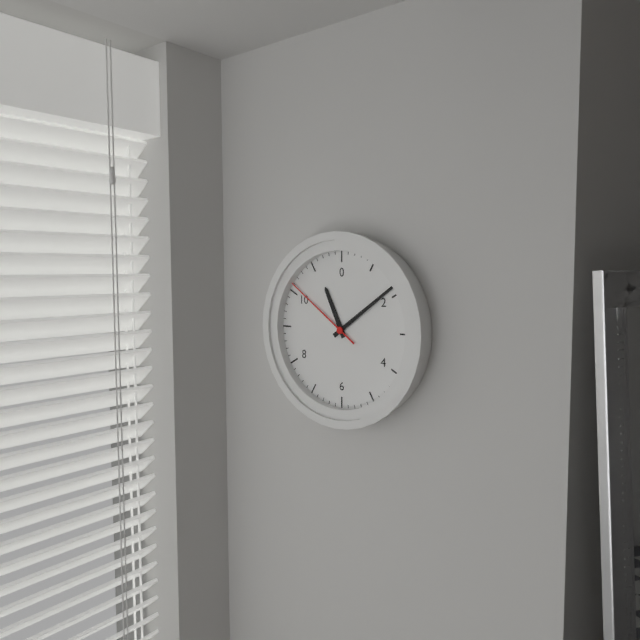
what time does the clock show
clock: 11:09:51
